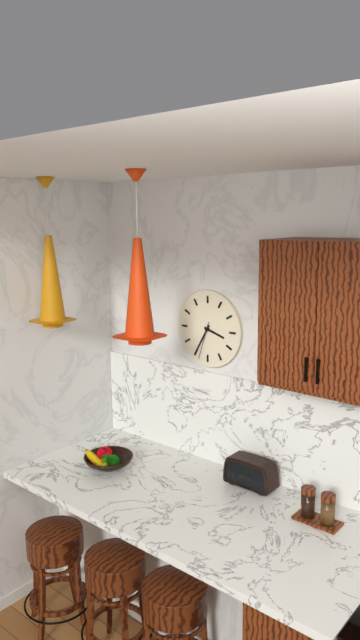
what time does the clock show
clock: 3:35
